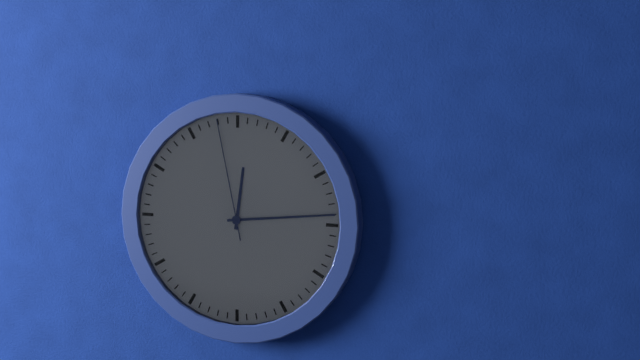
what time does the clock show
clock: 12:14:58
